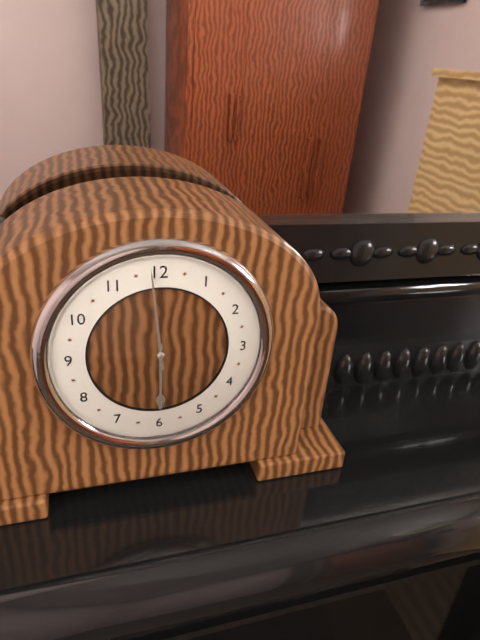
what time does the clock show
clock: 5:59
